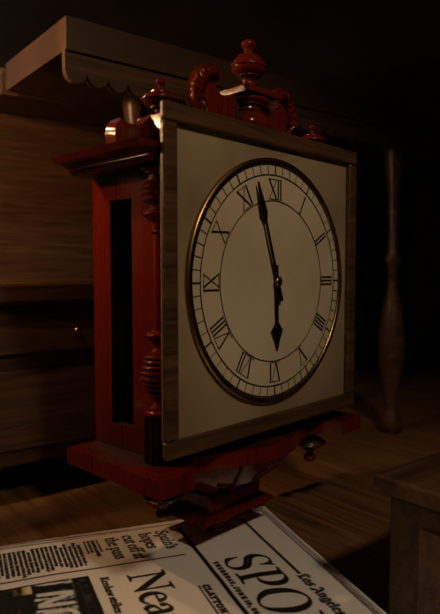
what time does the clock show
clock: 5:57
